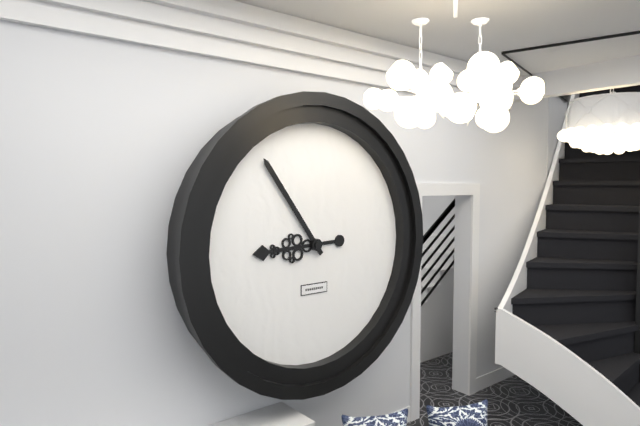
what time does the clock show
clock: 8:54
